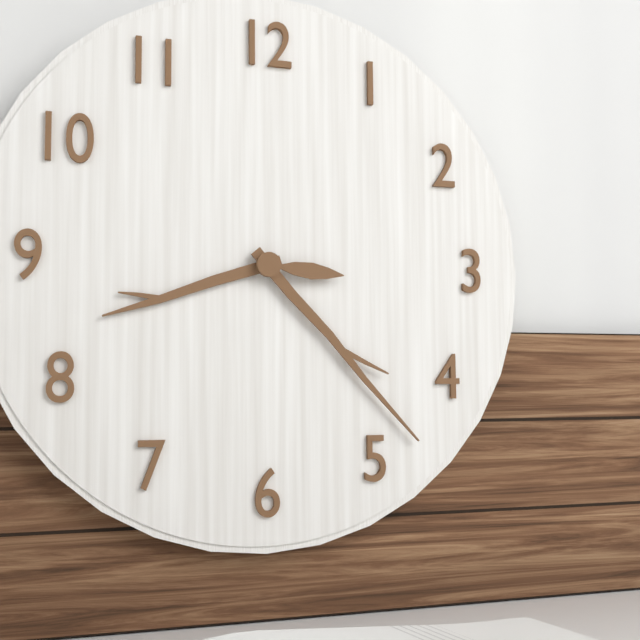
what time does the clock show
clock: 8:23:16
